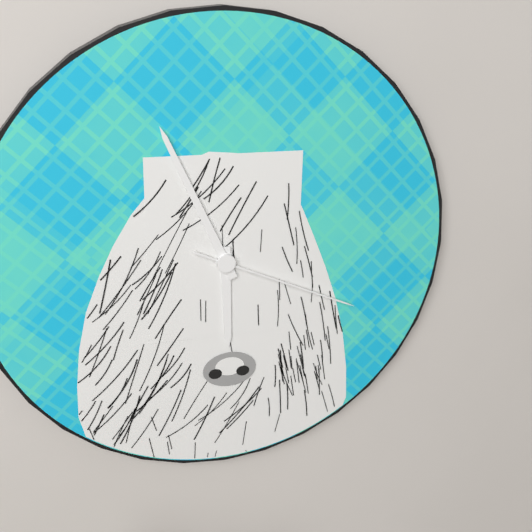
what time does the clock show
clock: 5:56:19
